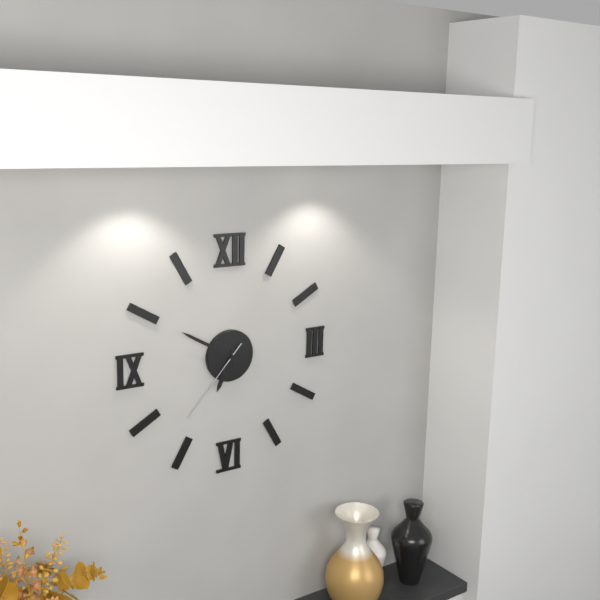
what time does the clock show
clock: 6:50:37
